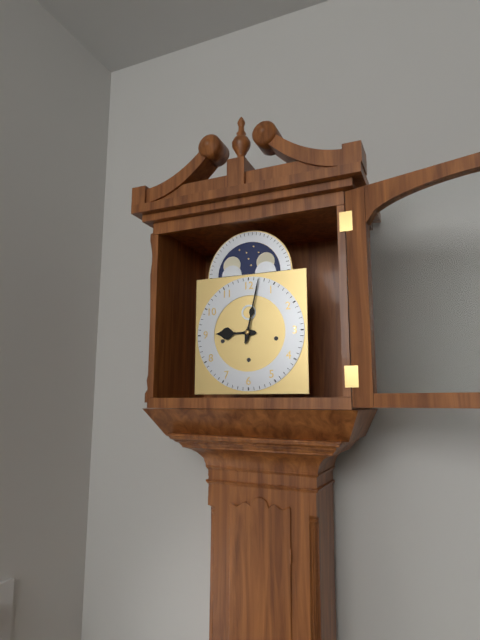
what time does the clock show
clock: 9:02
